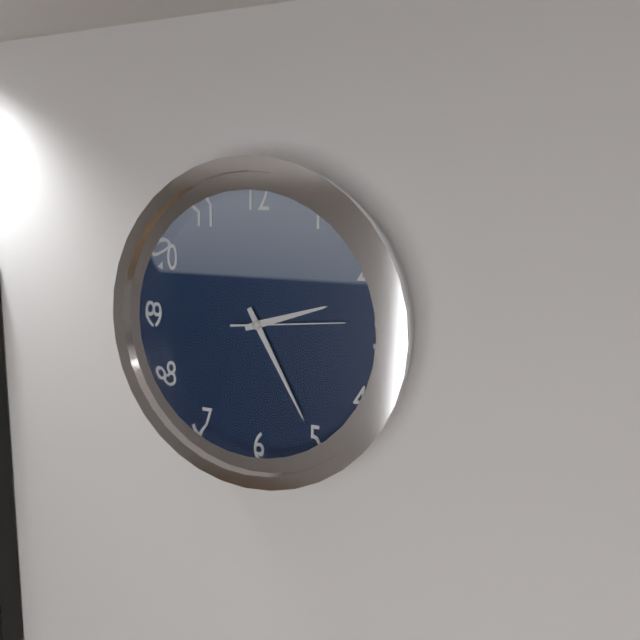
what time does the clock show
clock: 2:25:14
